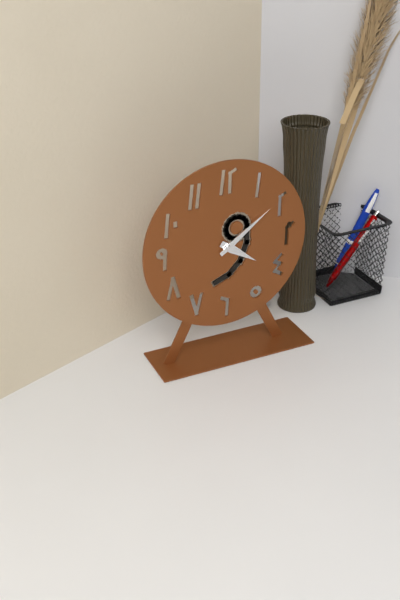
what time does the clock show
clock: 4:09
